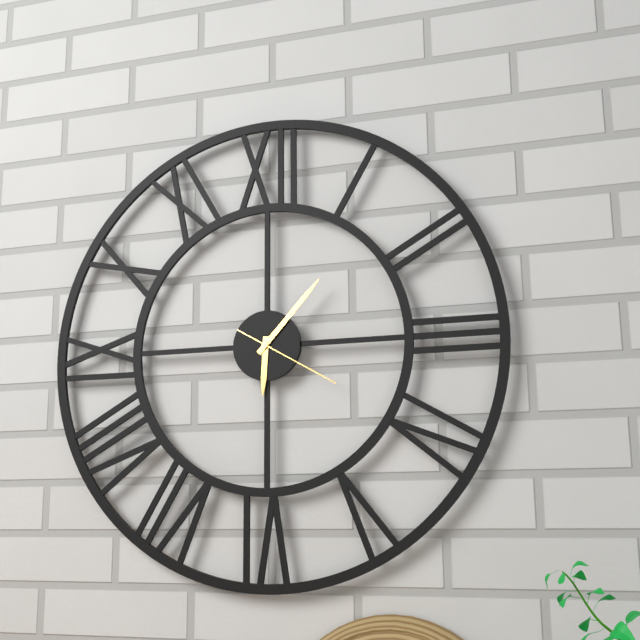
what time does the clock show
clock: 6:07:20
